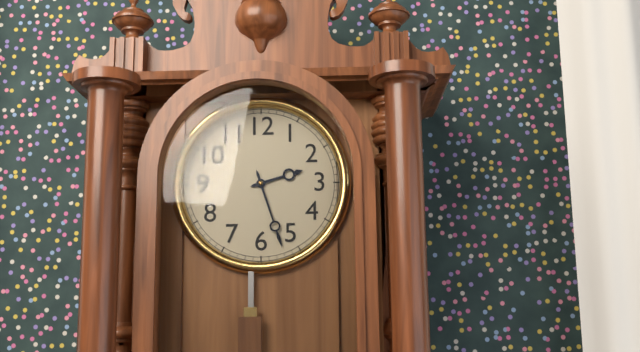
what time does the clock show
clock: 2:27
